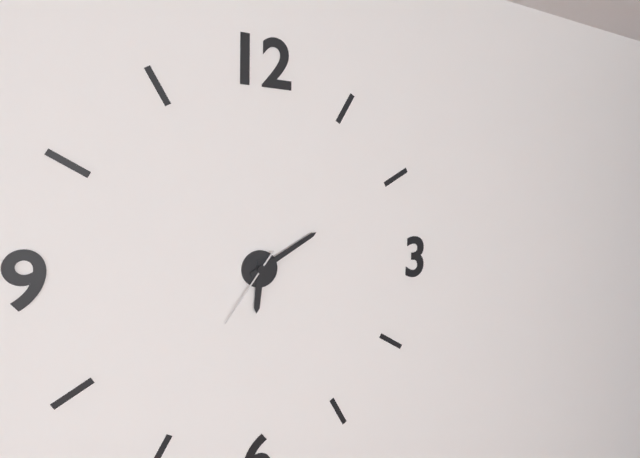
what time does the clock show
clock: 6:10:36
